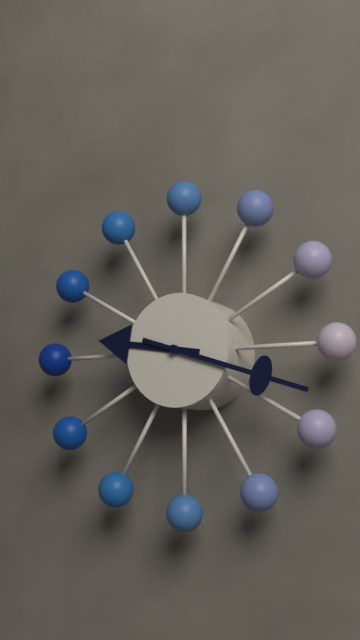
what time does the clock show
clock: 9:18
